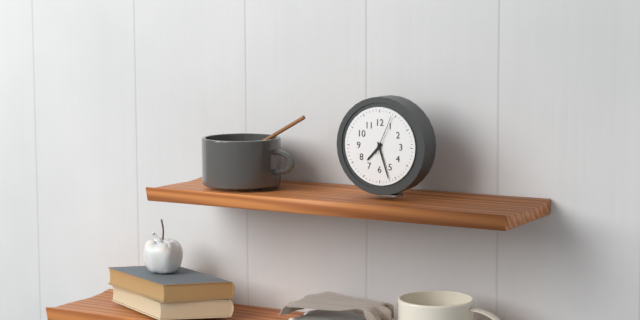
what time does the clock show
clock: 7:27
